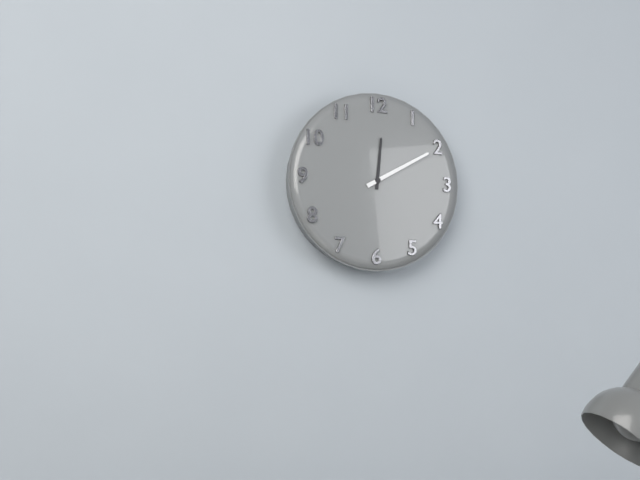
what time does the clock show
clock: 12:10
